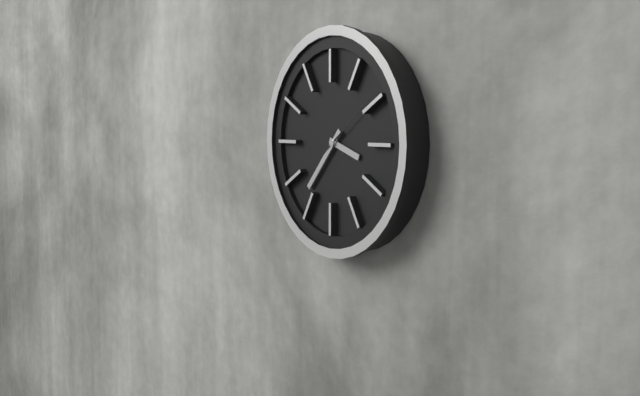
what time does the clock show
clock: 3:37:09
